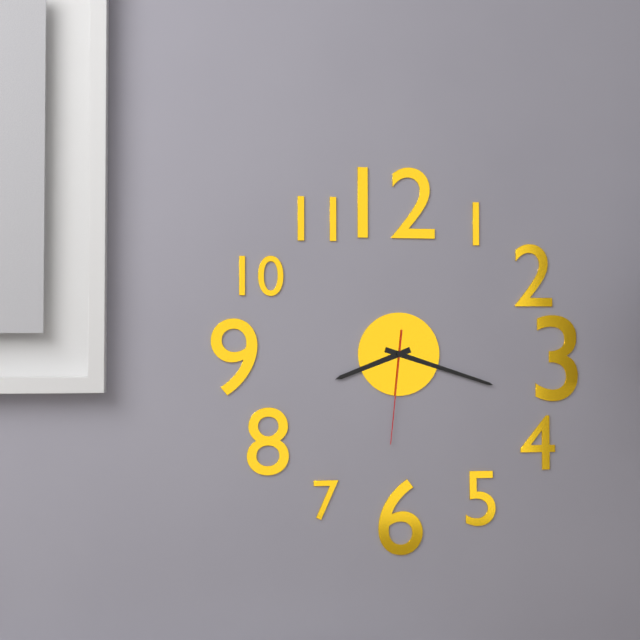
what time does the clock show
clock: 8:18:31
